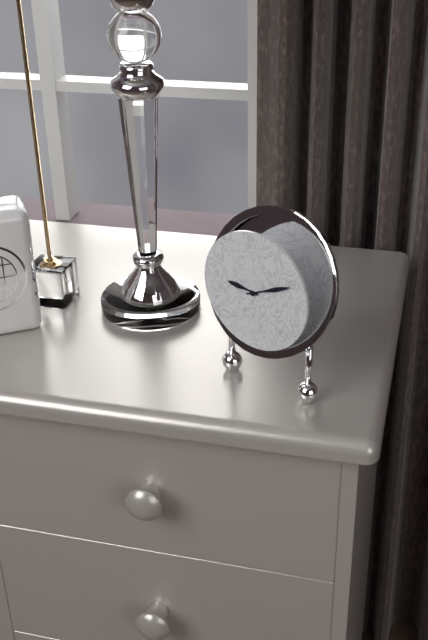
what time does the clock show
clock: 9:11
